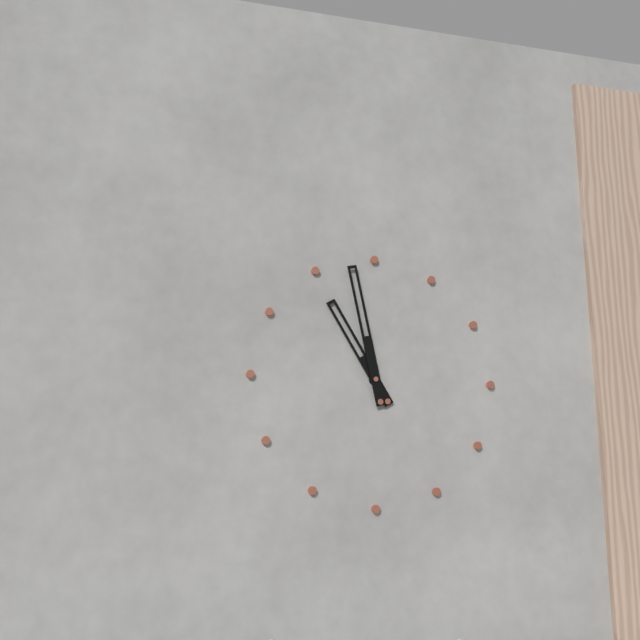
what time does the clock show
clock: 10:58
